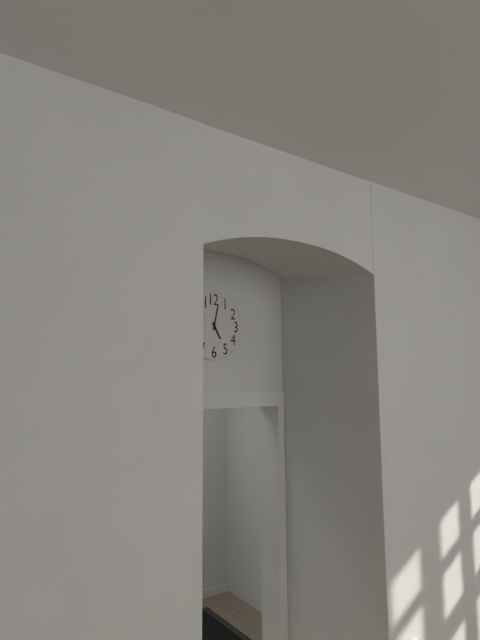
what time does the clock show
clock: 5:02
